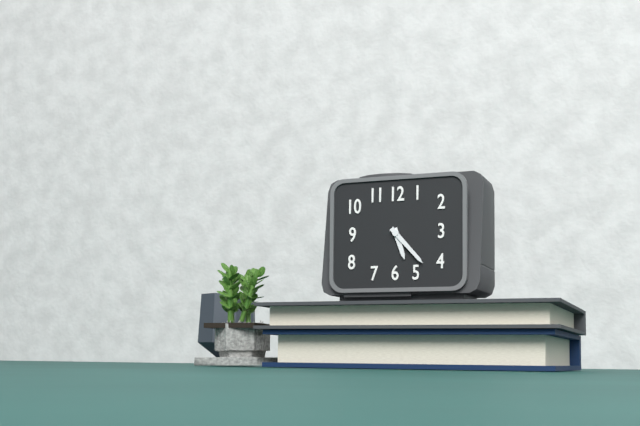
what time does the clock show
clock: 5:23
